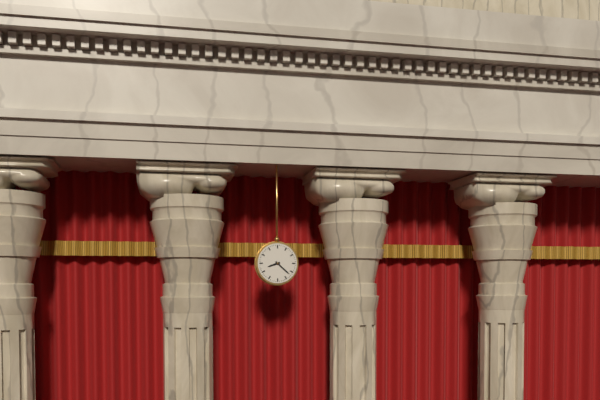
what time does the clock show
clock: 8:22
